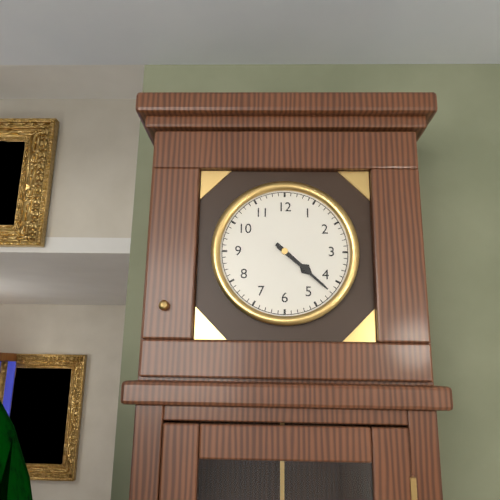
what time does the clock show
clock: 4:22
